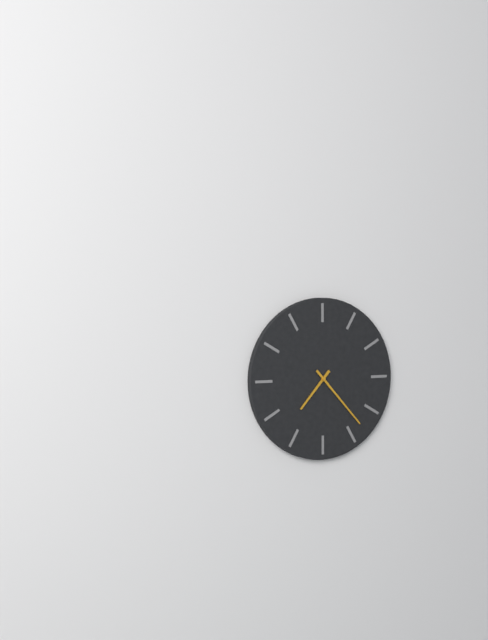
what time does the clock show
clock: 7:23
